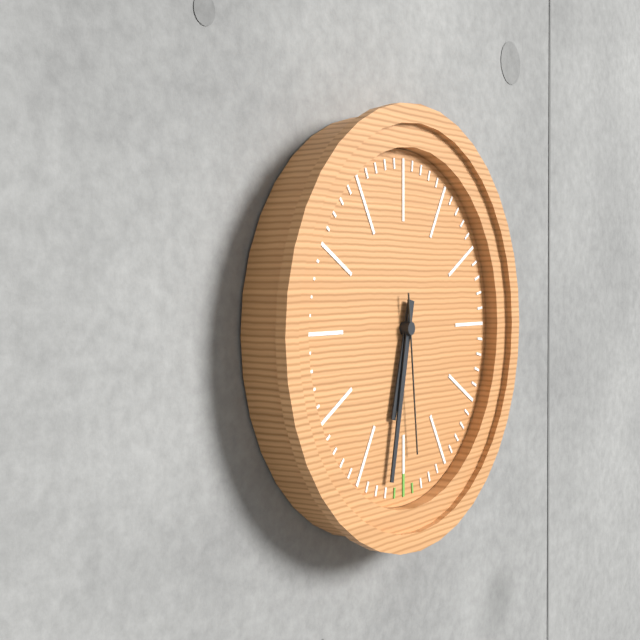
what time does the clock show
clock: 6:32:29
